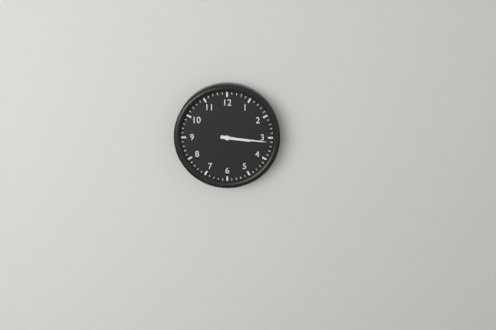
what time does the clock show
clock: 3:16
